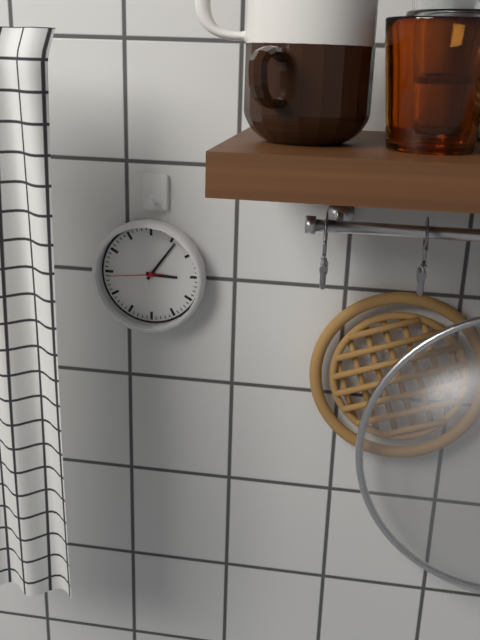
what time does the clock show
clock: 3:06:44
